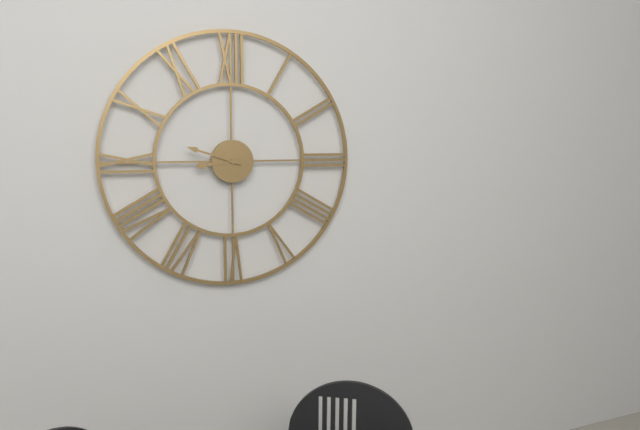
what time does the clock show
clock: 8:48
